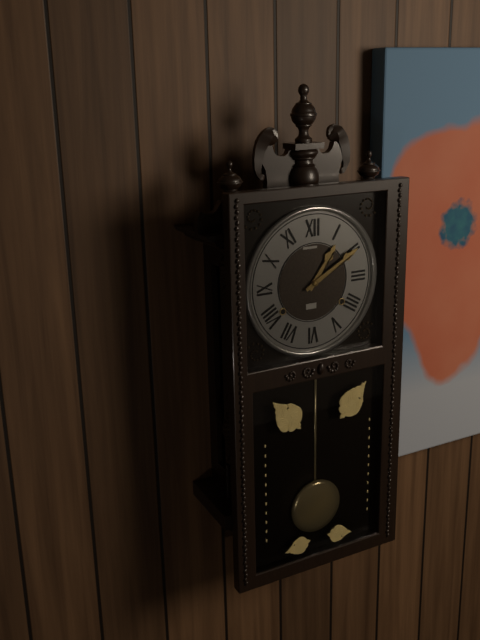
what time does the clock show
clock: 1:10
